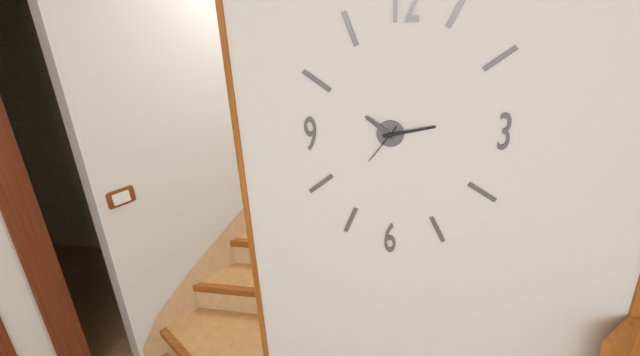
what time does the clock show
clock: 10:13
